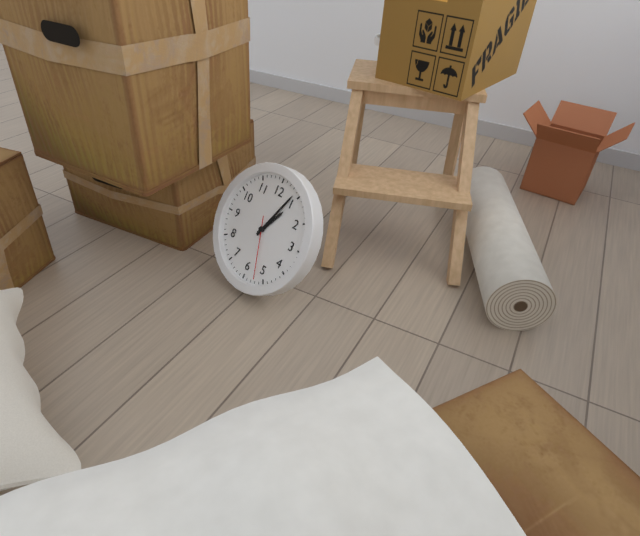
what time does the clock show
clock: 1:04:27
